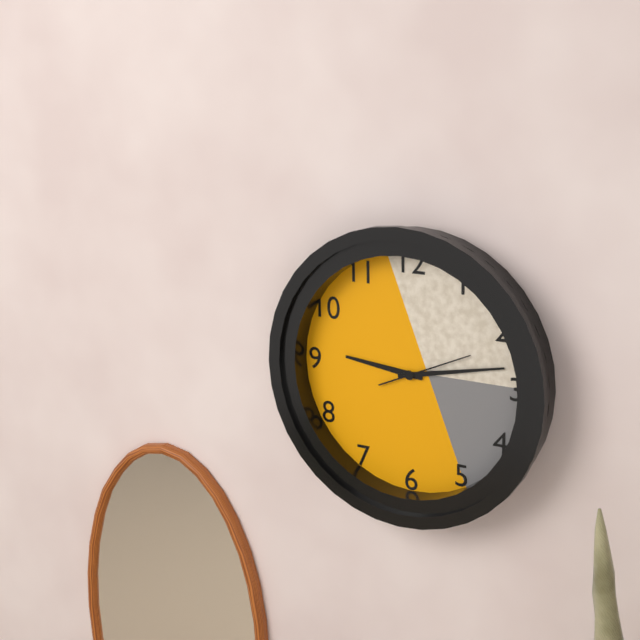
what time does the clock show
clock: 9:13:11
